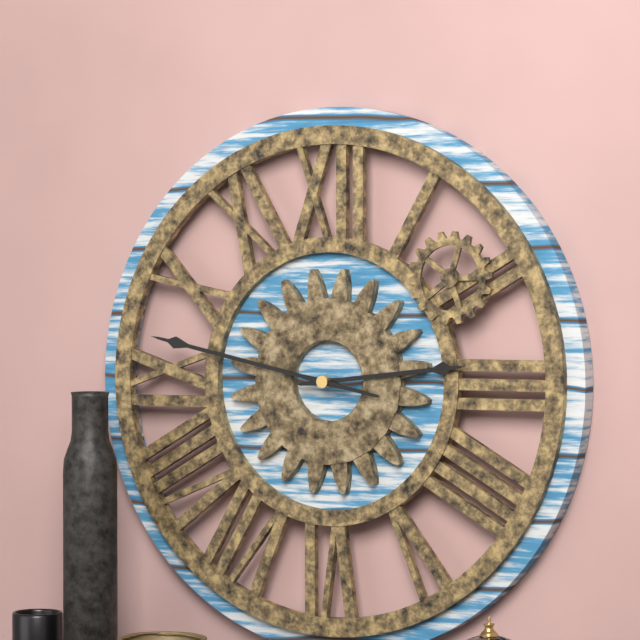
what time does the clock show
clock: 2:47
